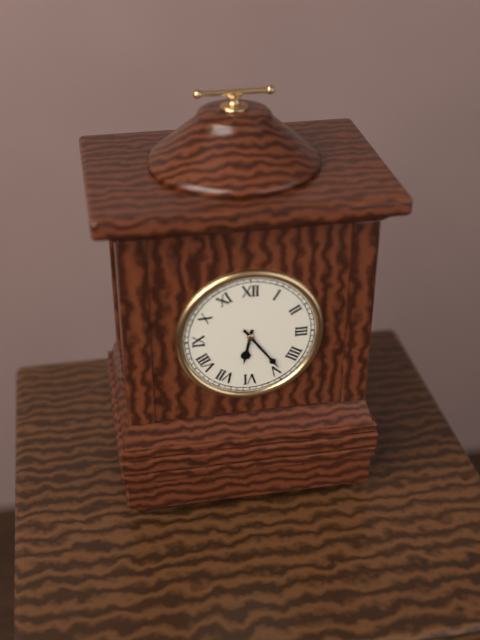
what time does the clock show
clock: 6:24
